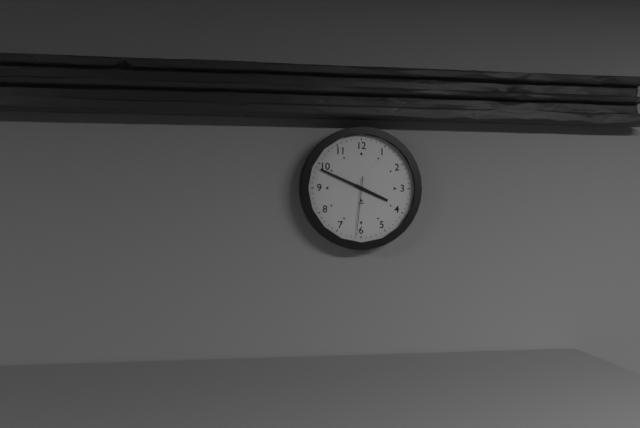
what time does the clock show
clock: 3:49:31
